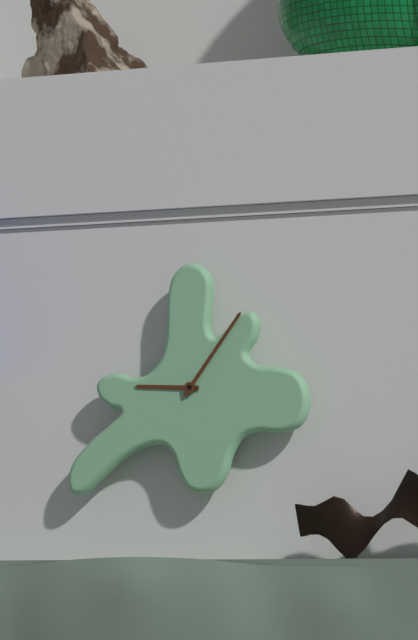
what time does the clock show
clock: 9:06
